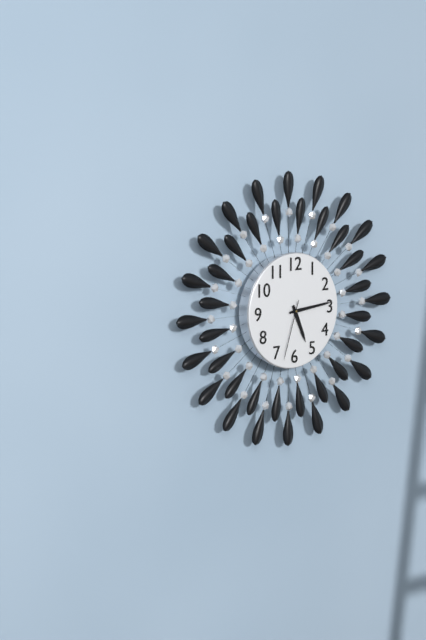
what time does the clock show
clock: 5:14:33
